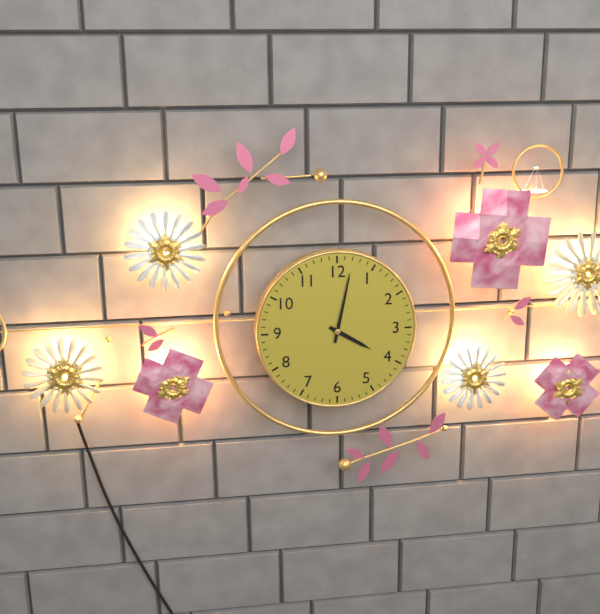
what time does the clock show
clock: 4:02
